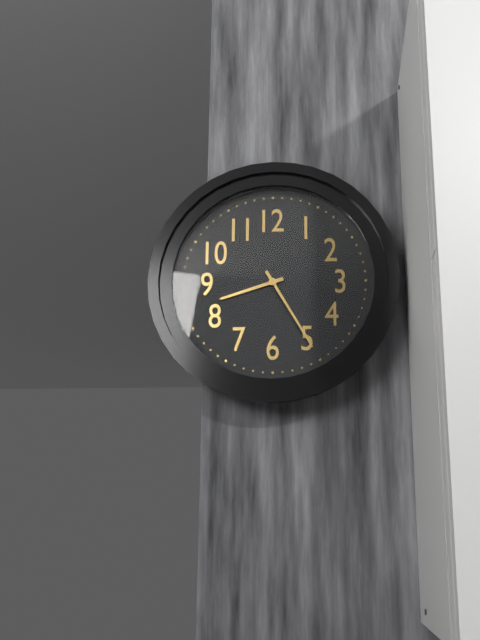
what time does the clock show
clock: 8:25
